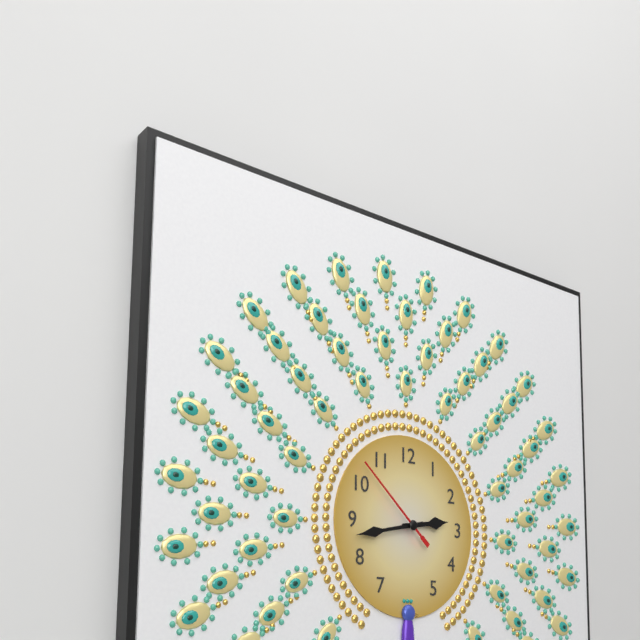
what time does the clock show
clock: 2:43:52
